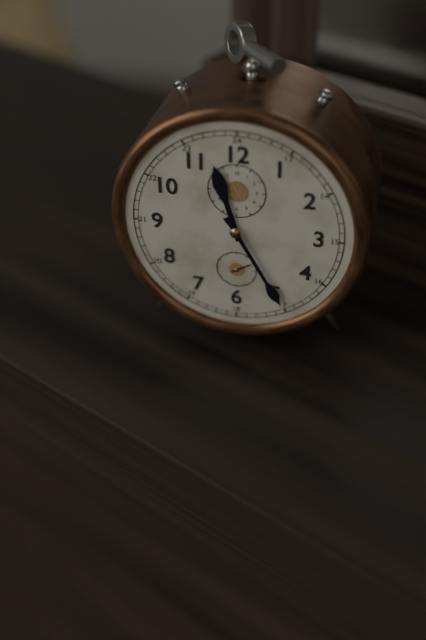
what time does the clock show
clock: 11:25
